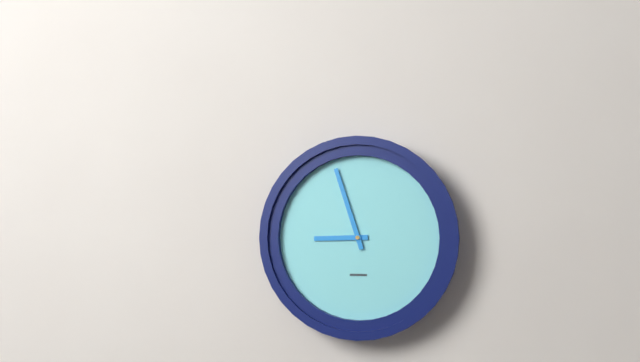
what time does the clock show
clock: 8:57
